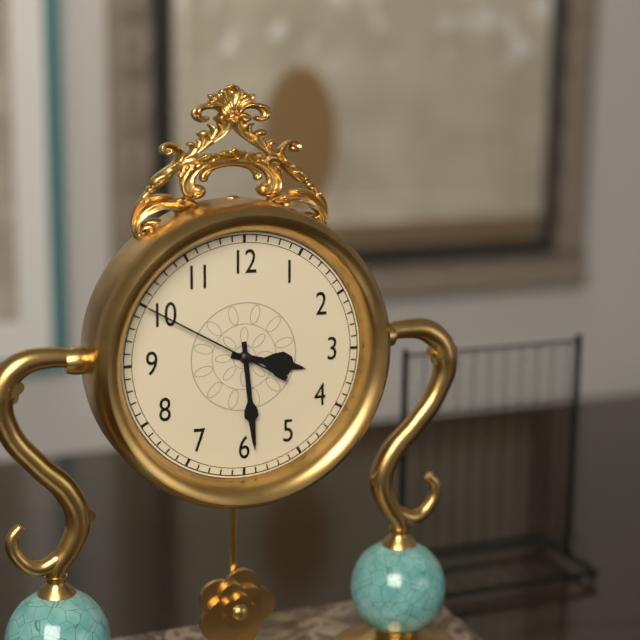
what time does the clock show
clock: 3:29:50
